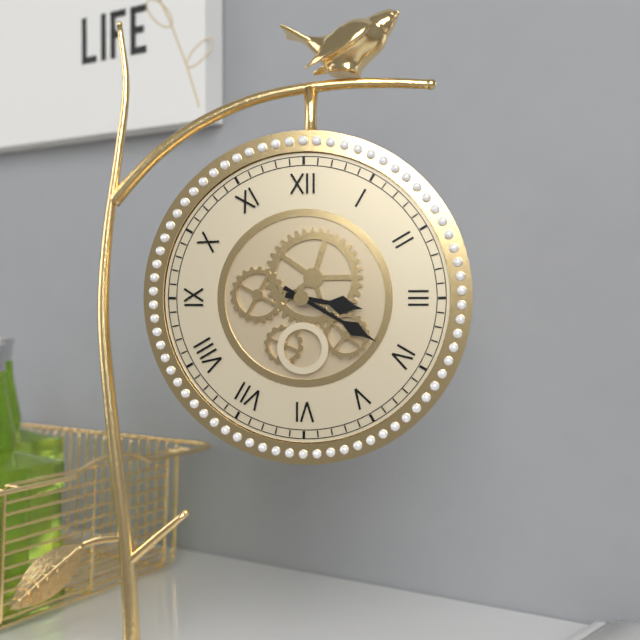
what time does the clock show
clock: 3:20
